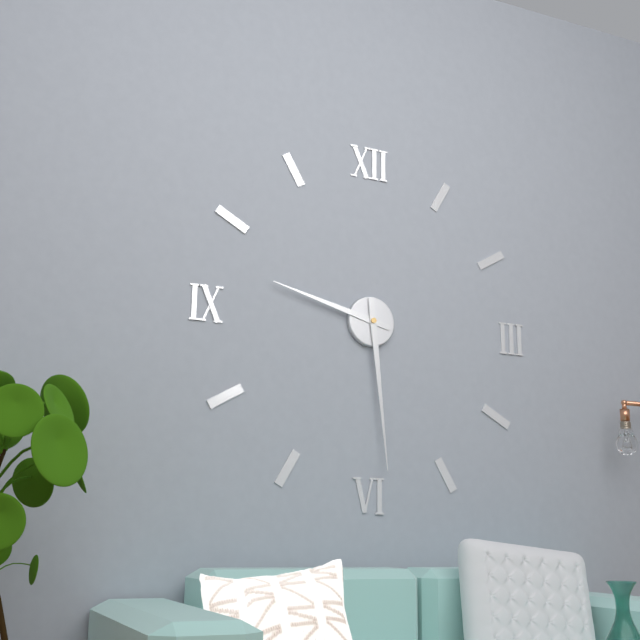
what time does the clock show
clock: 9:29
